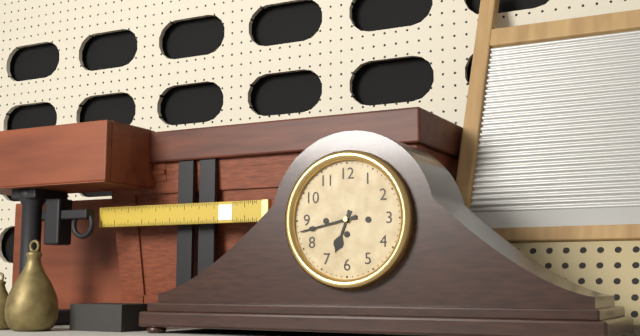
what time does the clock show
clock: 6:43
